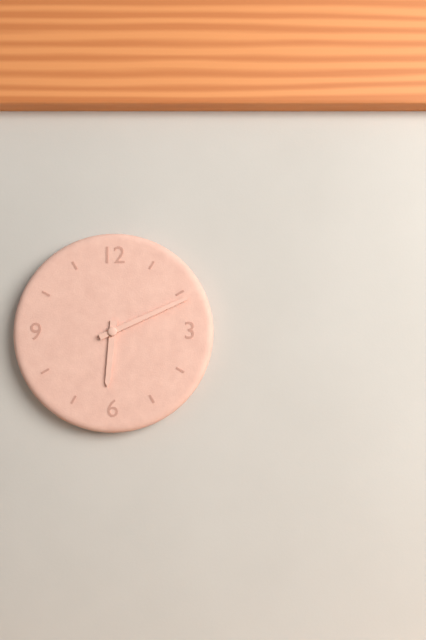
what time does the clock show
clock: 6:11
